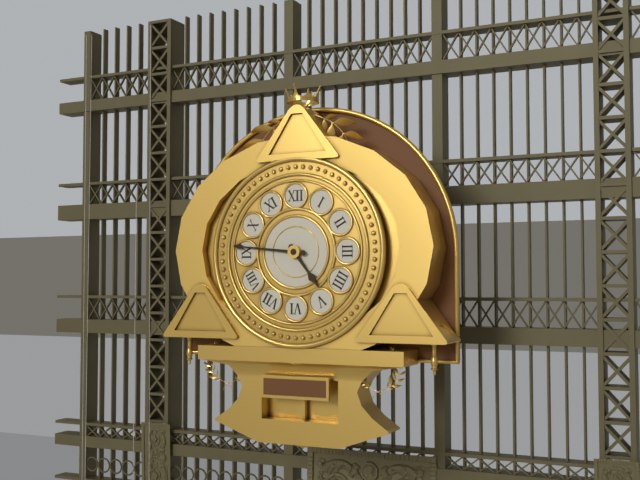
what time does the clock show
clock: 4:46
